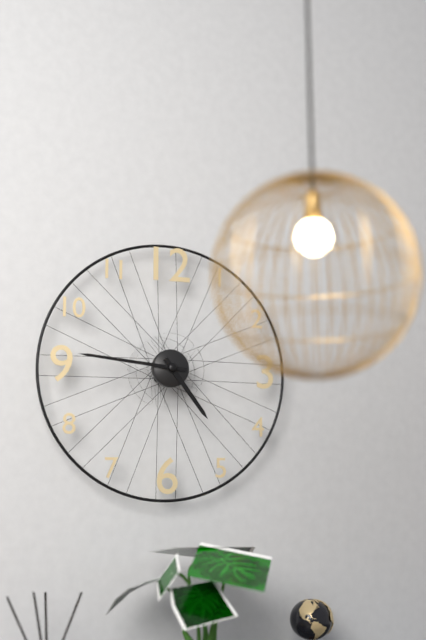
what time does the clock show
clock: 4:46
